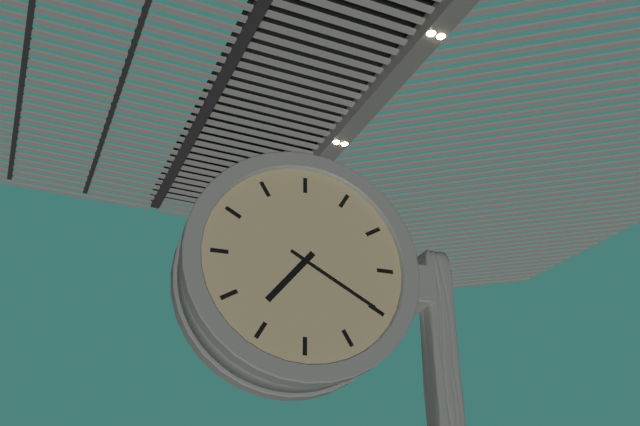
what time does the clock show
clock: 7:20
